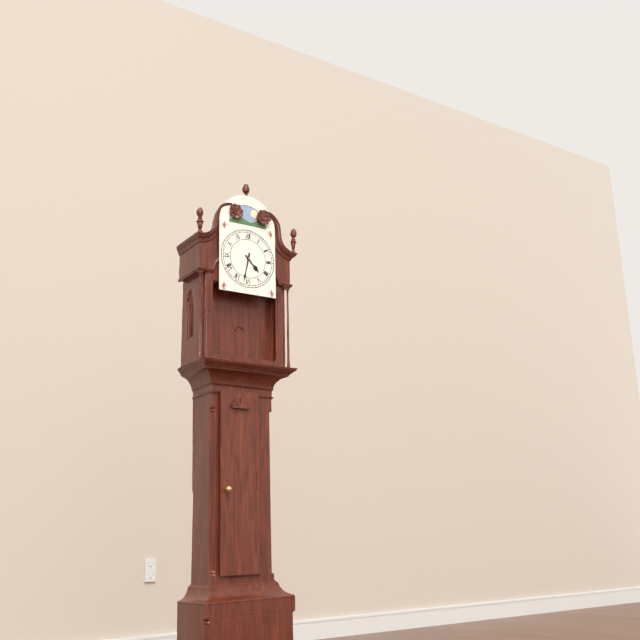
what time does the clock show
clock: 4:32
